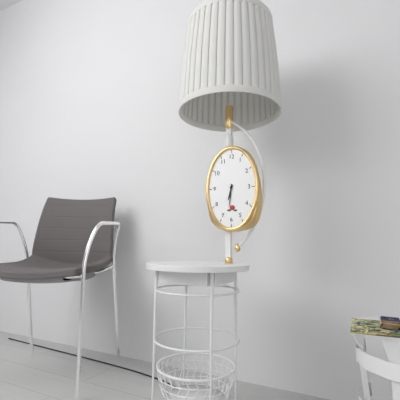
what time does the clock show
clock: 6:31
